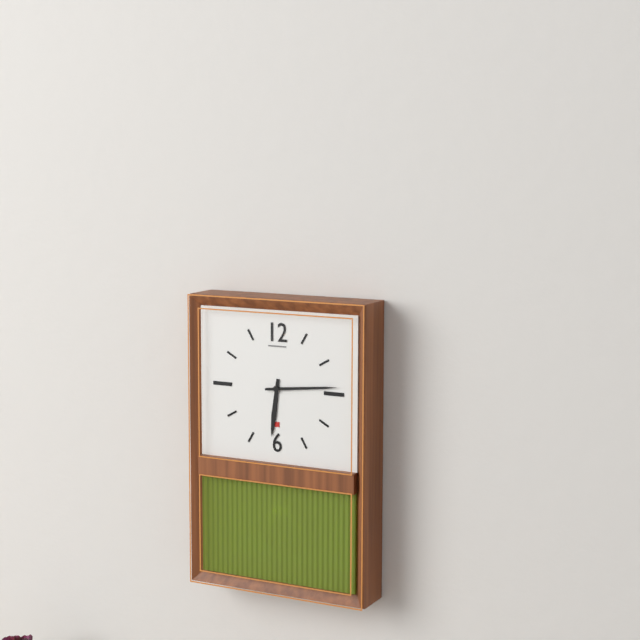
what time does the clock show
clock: 6:14
